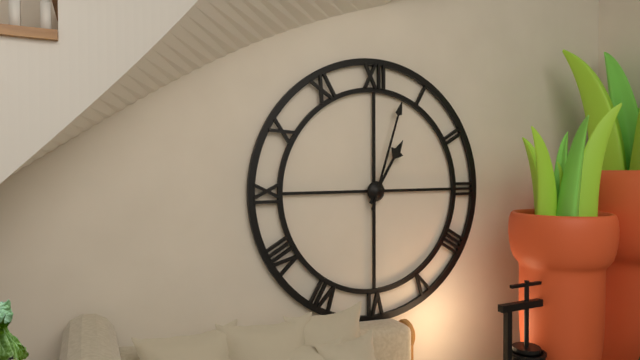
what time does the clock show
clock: 1:03
